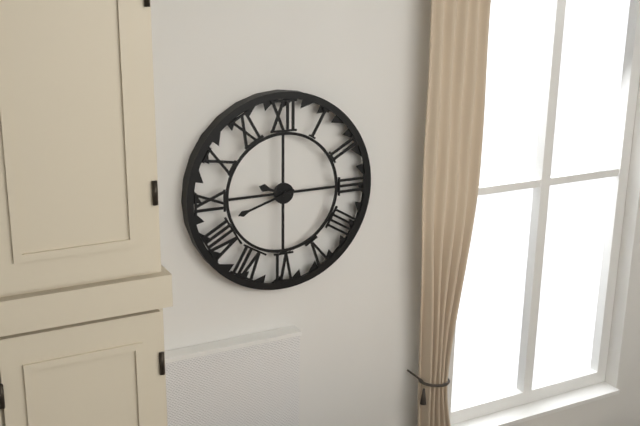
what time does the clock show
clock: 9:42
